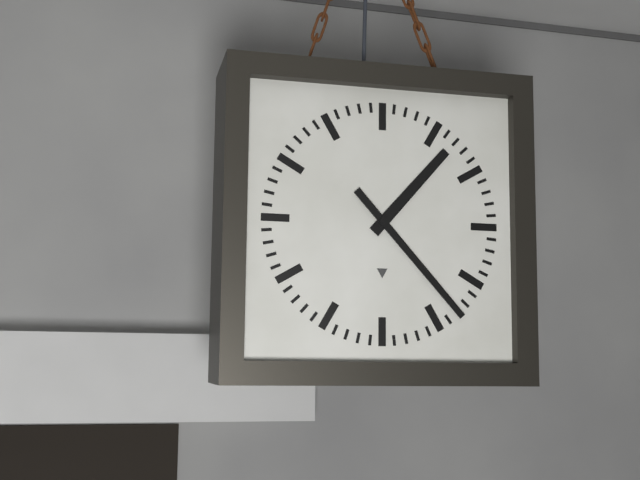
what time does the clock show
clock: 1:23
